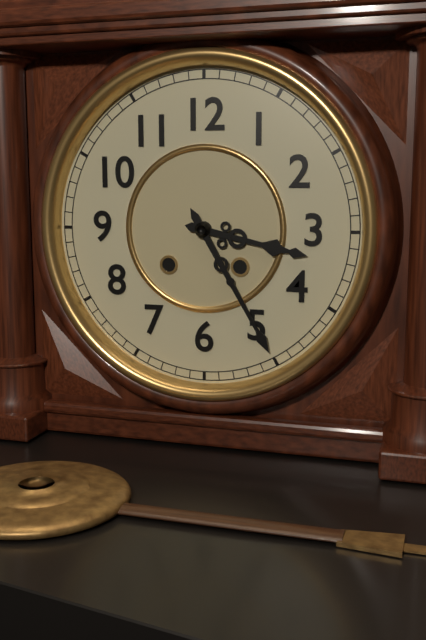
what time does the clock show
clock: 3:25
